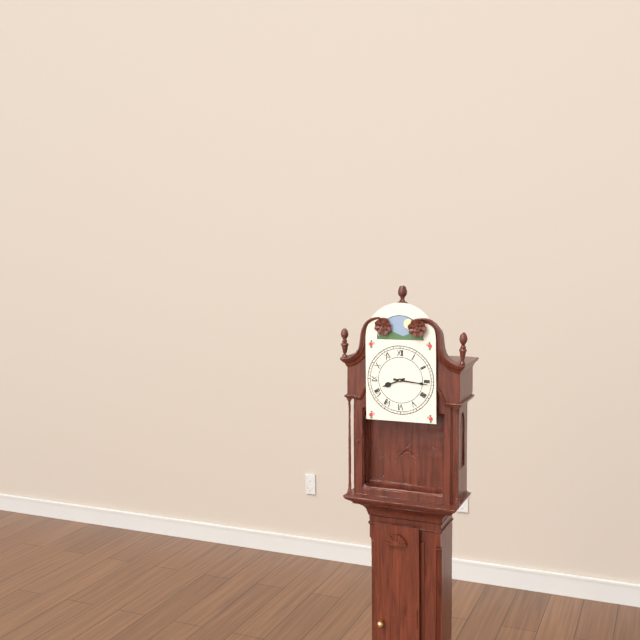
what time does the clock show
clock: 8:16
